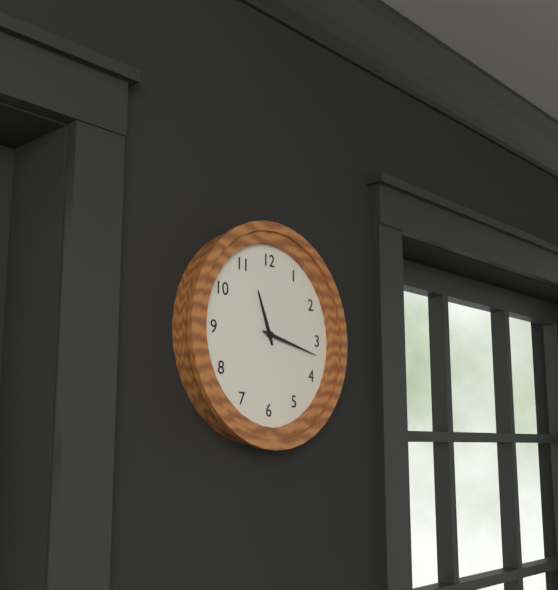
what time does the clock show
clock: 11:17
